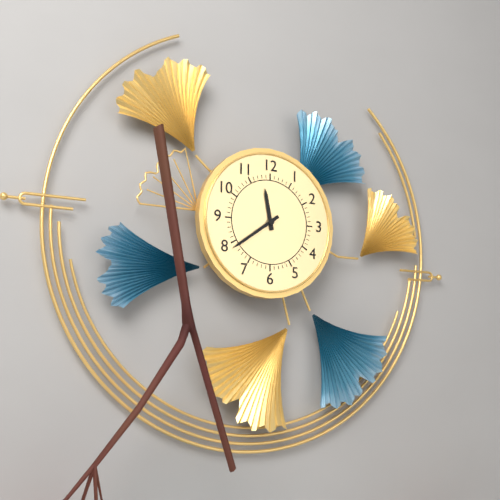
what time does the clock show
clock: 11:39
